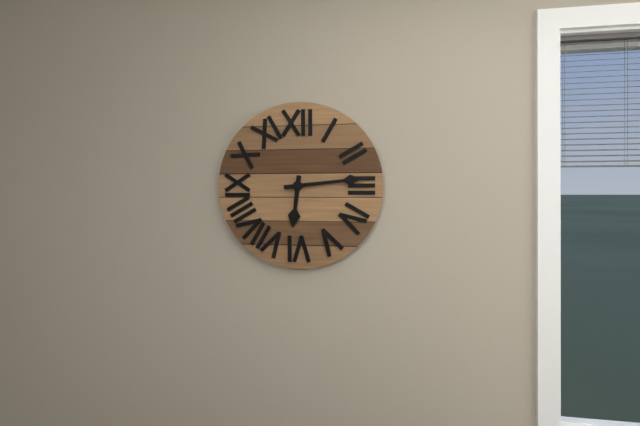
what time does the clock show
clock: 6:14
